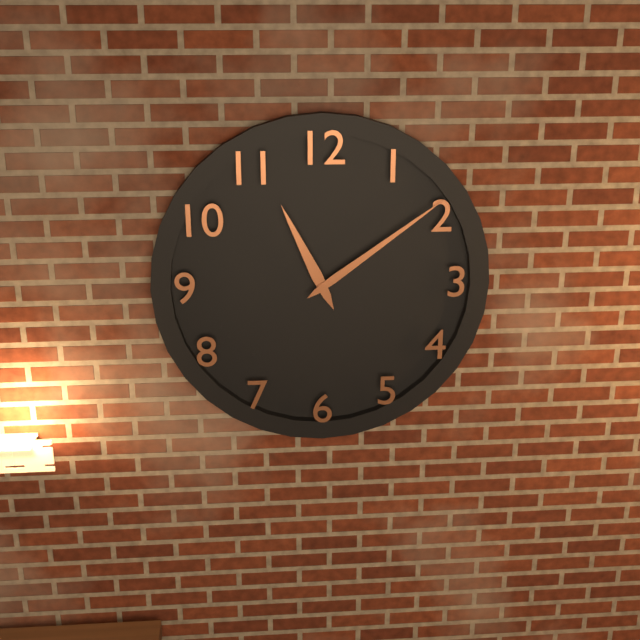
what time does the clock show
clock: 11:09
